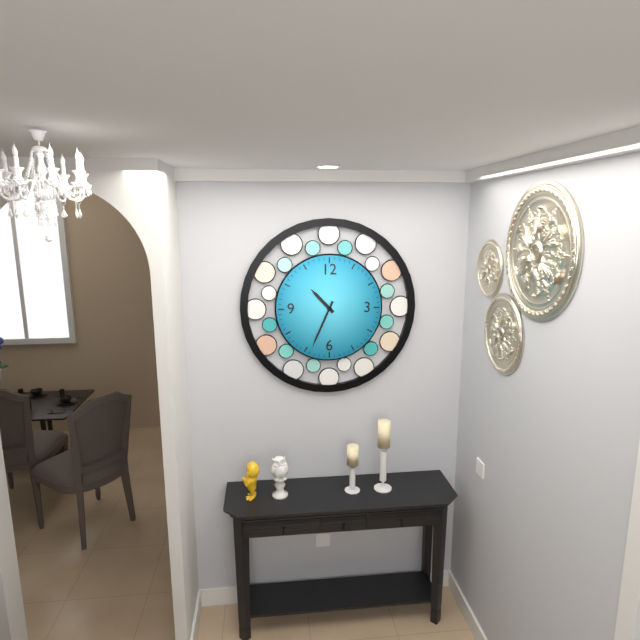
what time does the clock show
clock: 10:34
